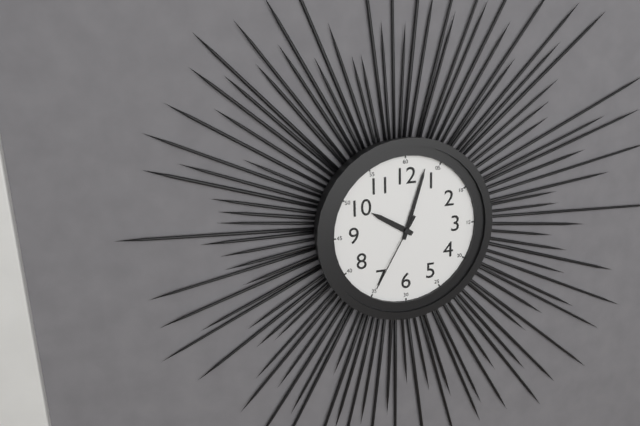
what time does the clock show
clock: 10:03:35
